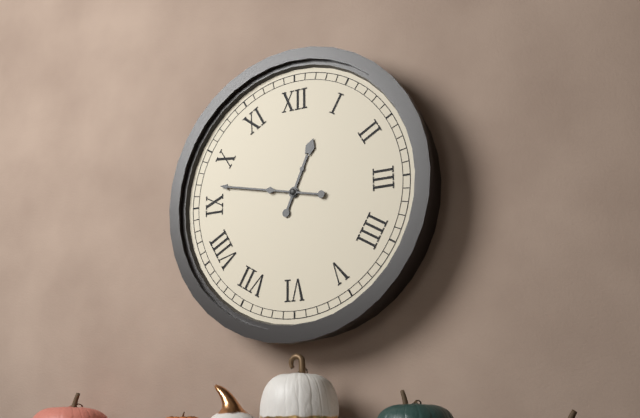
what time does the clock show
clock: 12:47
